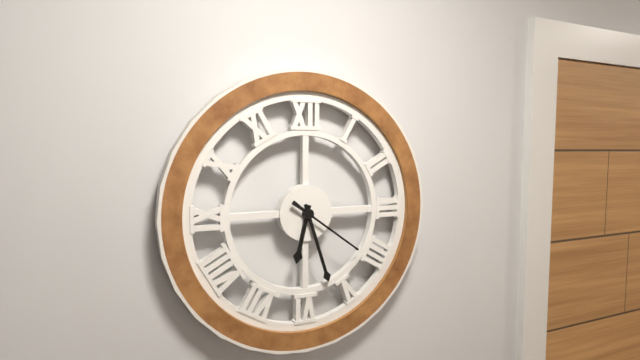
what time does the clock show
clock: 6:27:21
